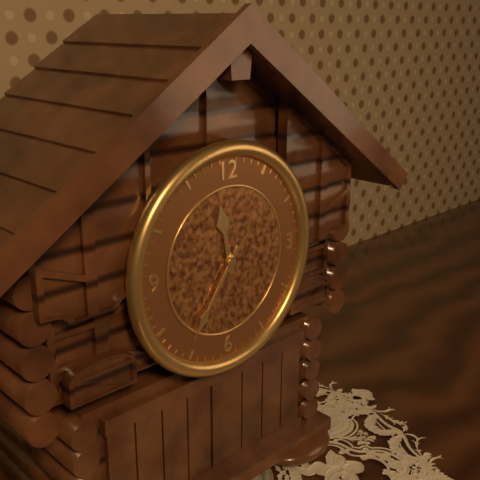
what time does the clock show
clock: 11:36
